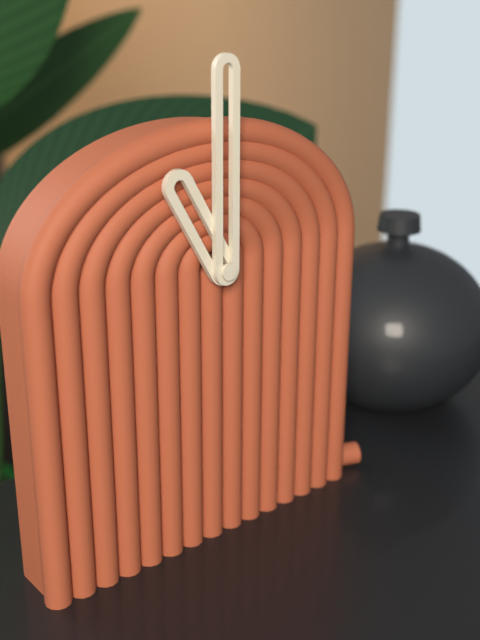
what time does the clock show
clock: 11:00
